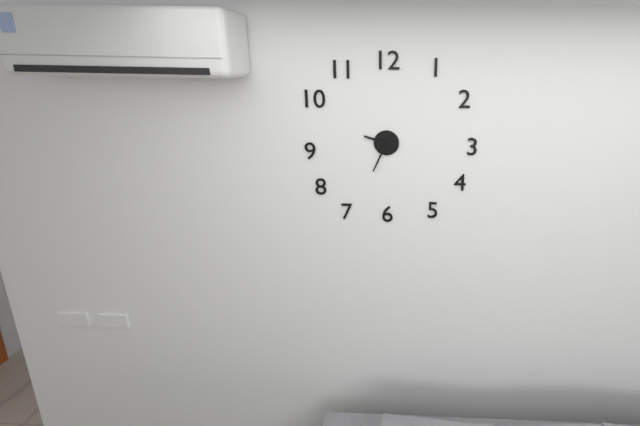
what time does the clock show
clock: 9:34
